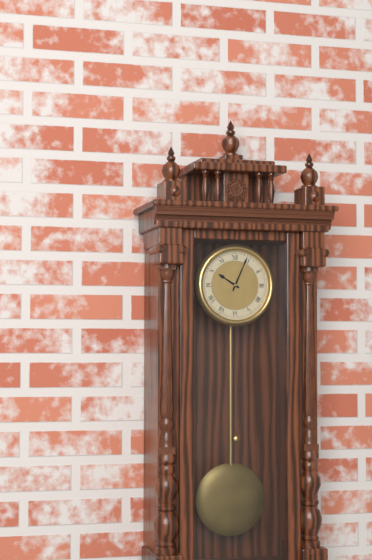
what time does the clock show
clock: 10:04
